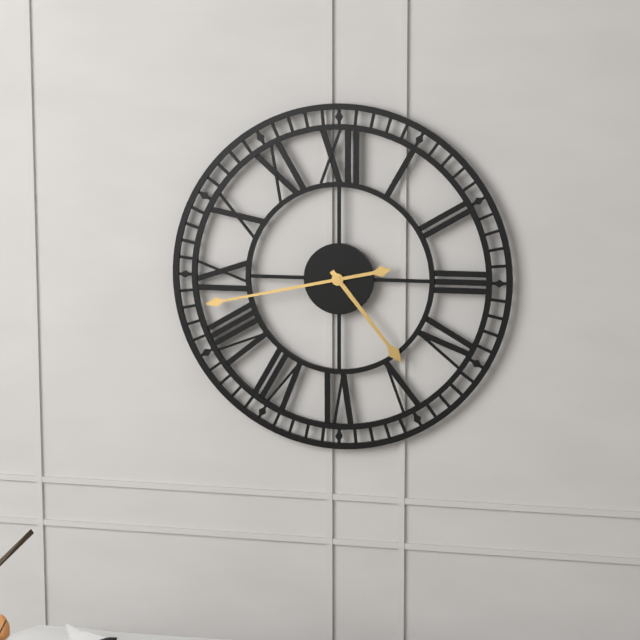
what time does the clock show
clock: 4:43
